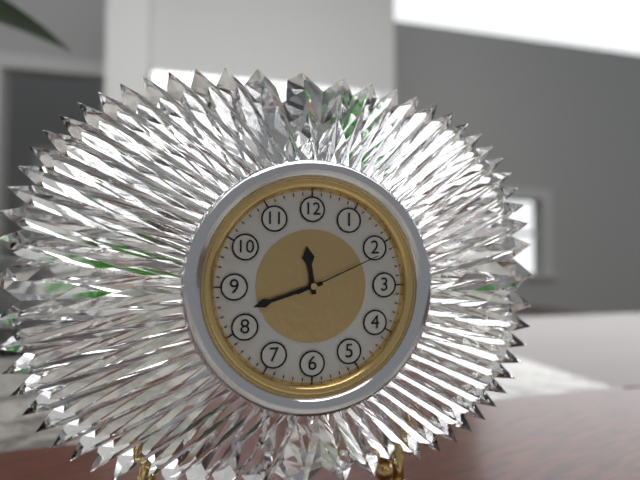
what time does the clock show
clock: 11:42:11
